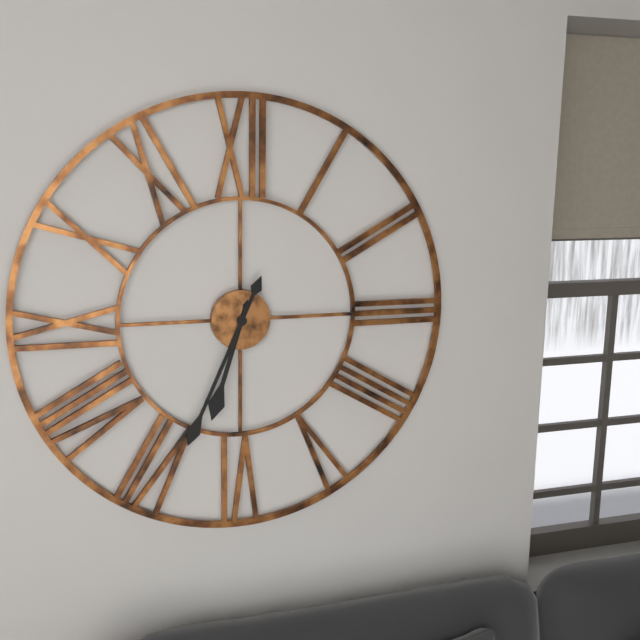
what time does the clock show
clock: 6:34
